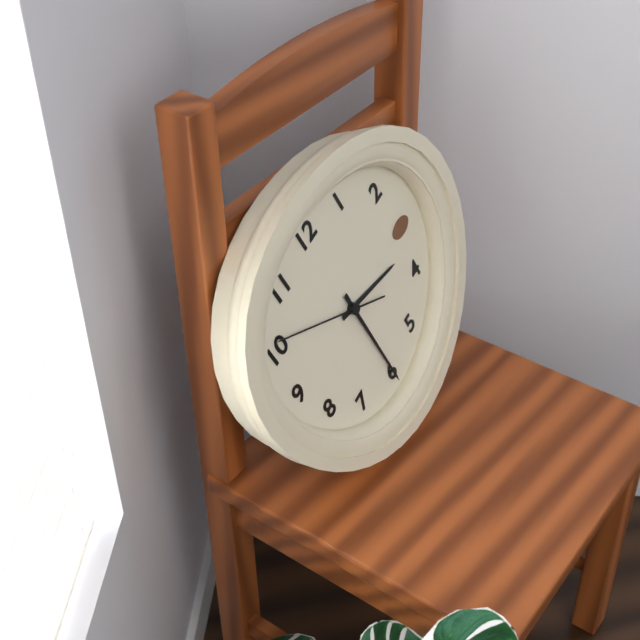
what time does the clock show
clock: 3:30:51
